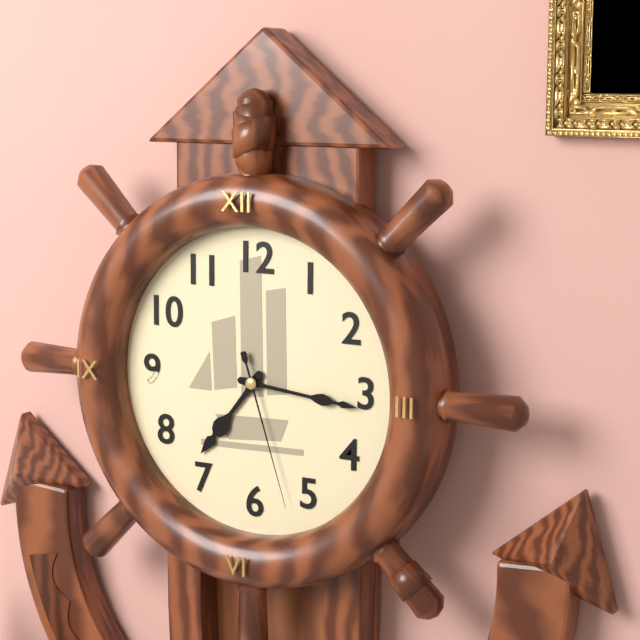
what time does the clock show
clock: 7:16:27
